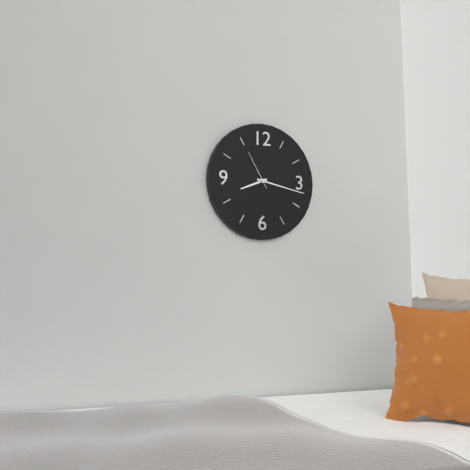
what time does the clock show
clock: 8:17
